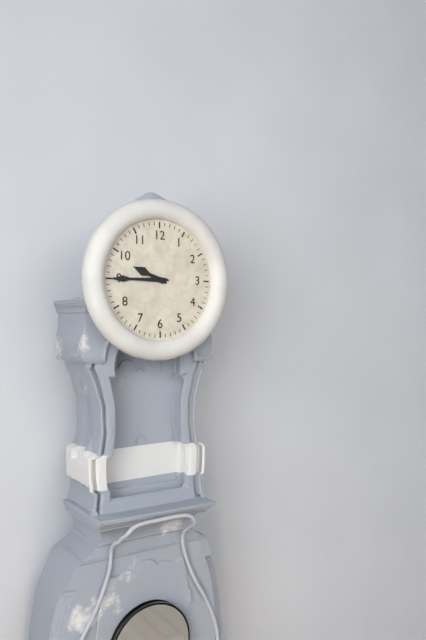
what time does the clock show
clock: 9:45
